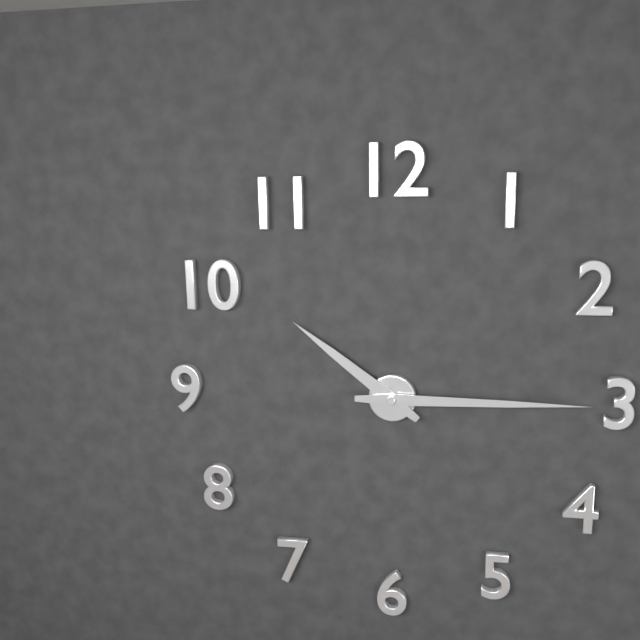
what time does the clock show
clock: 10:15
